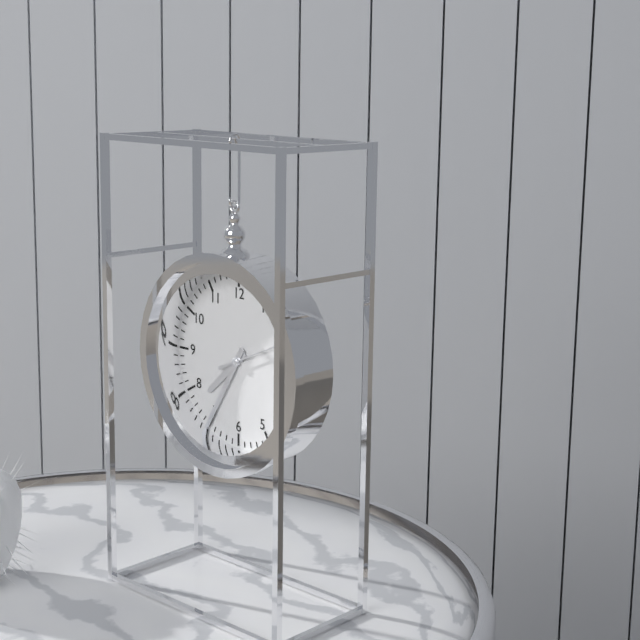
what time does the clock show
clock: 7:35
